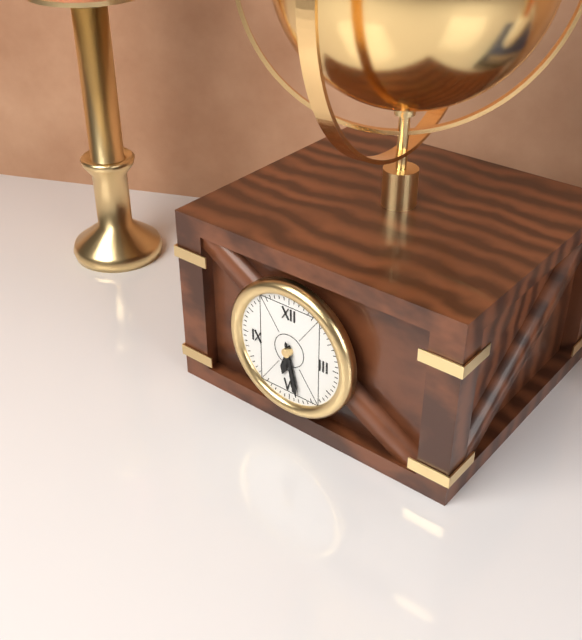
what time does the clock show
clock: 6:28
